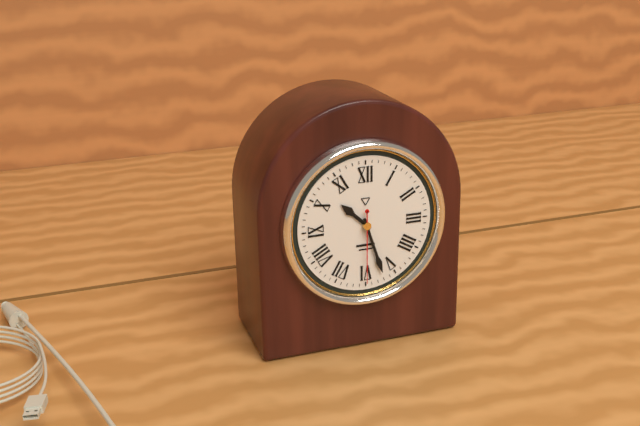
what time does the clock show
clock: 10:27:30
